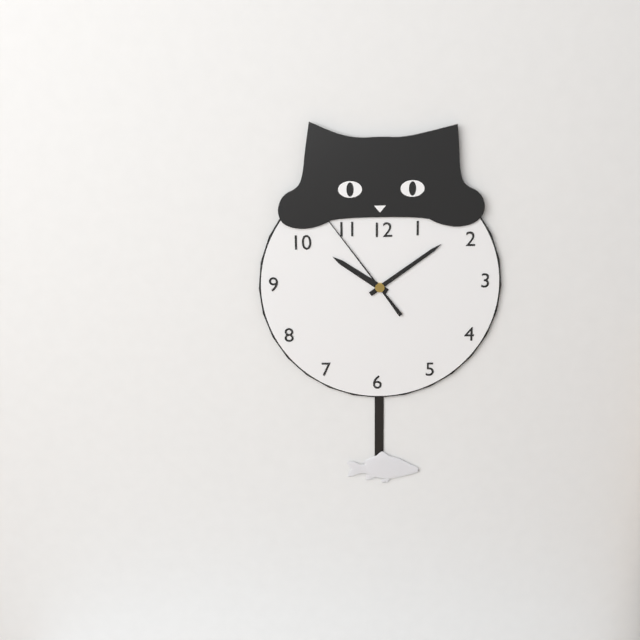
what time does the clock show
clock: 10:09:54
